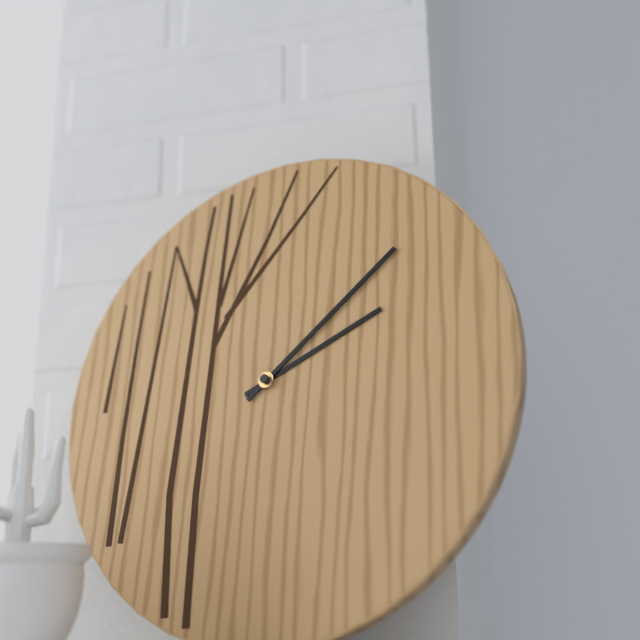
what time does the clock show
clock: 2:08
